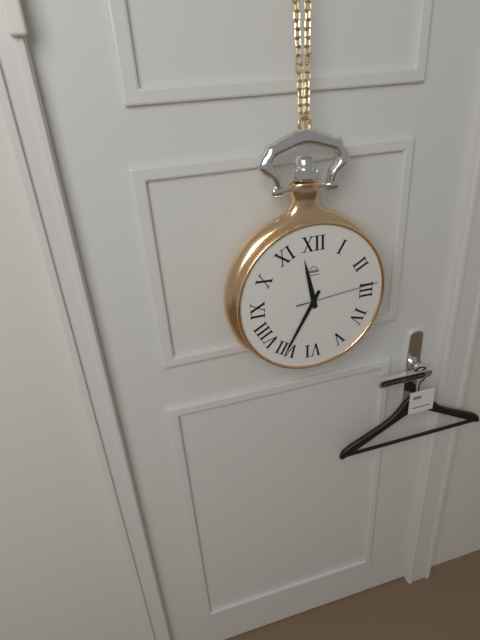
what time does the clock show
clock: 11:35:14
